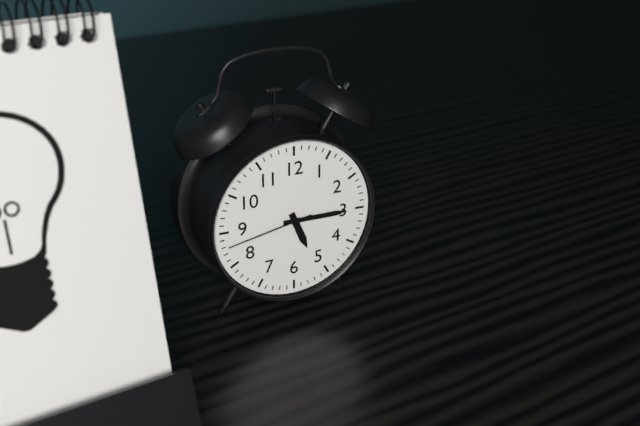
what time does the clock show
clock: 5:15:43
